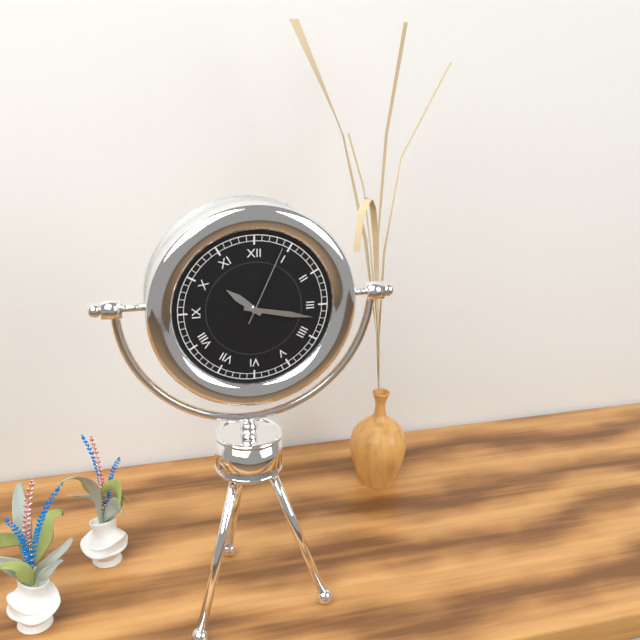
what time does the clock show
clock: 10:17:04
